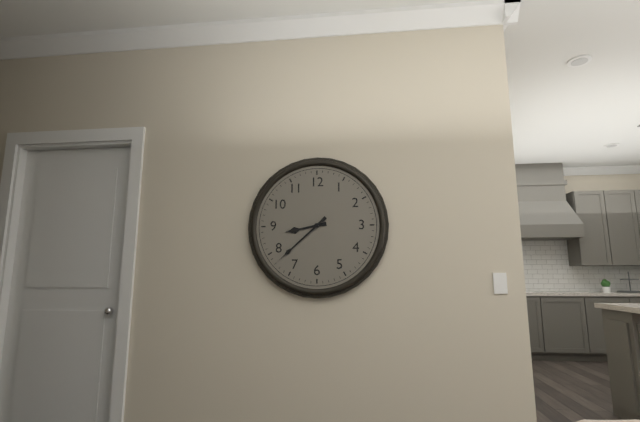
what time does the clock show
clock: 8:38
